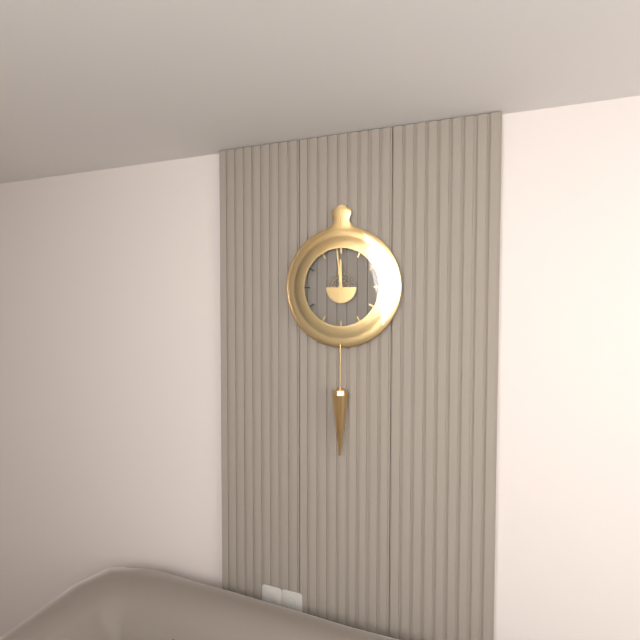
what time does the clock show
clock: 11:59
